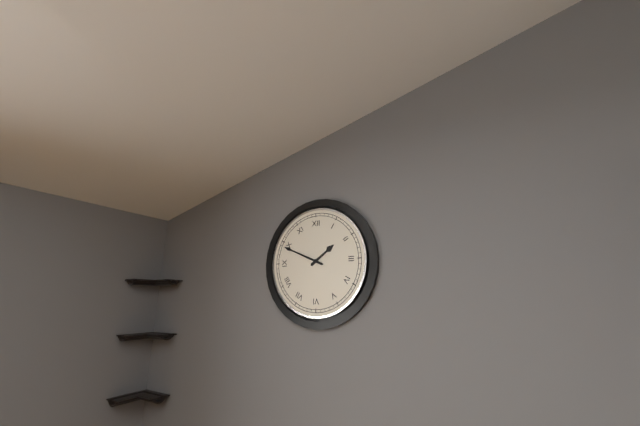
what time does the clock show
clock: 1:49
